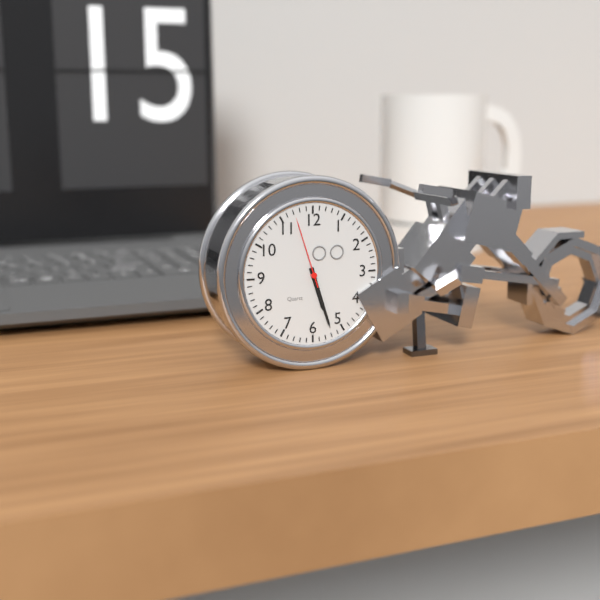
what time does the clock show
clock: 5:27:57
